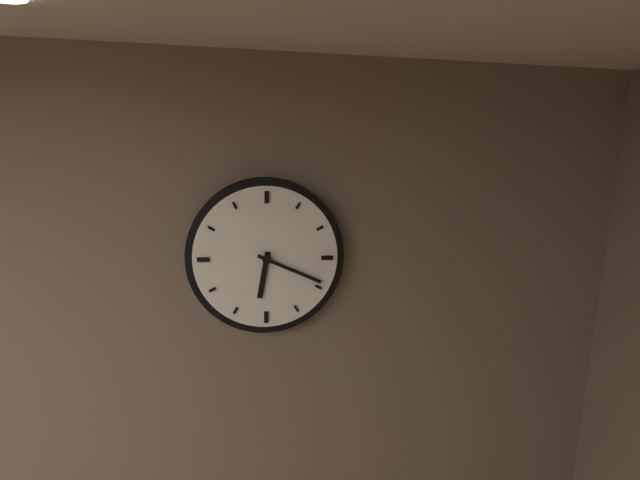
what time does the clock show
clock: 6:19
